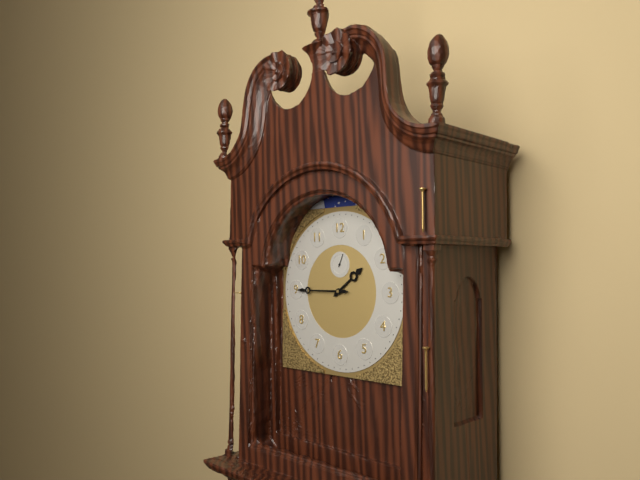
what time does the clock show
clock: 1:45
